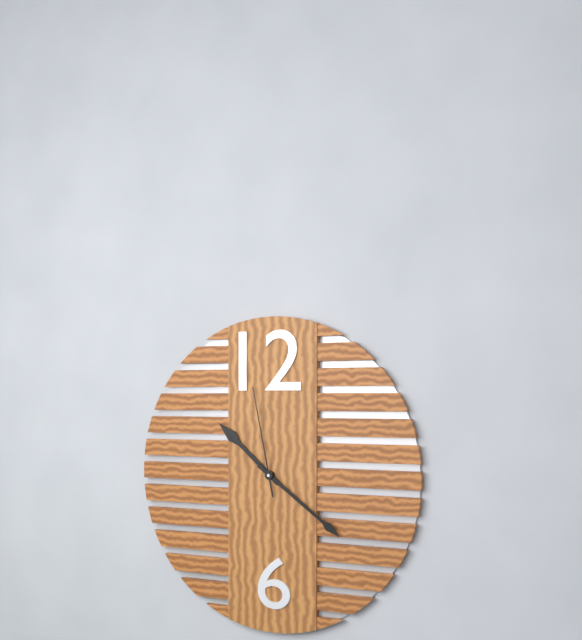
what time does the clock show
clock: 10:21:58
